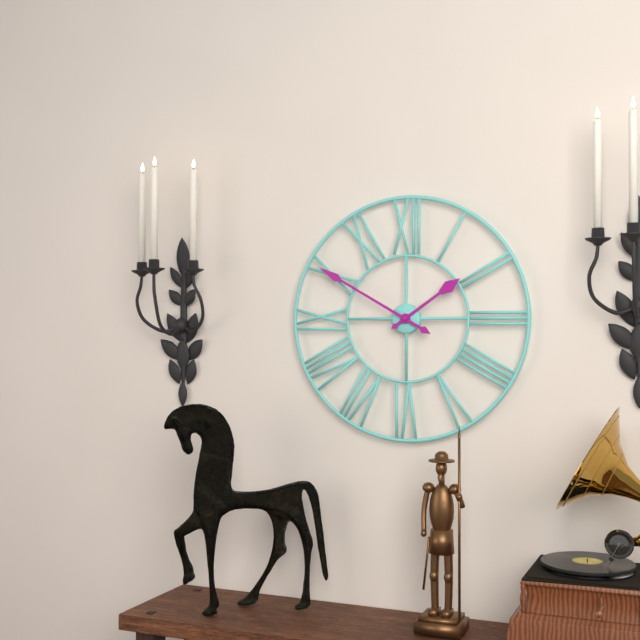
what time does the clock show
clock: 1:50
